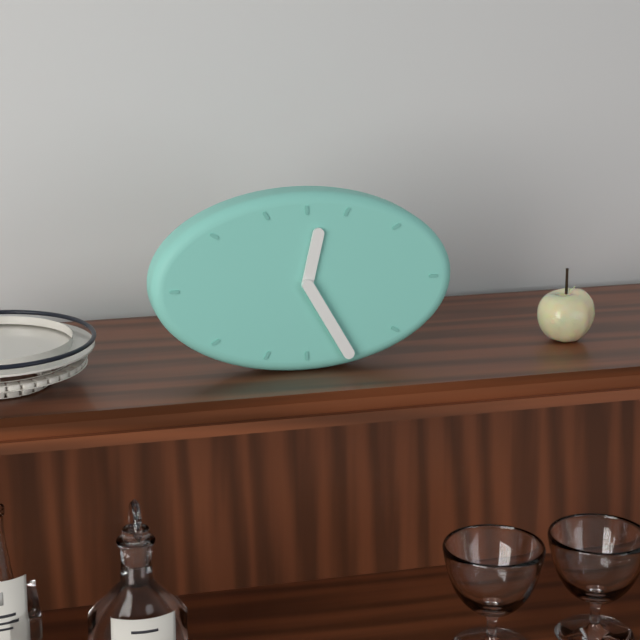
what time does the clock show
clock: 12:25
